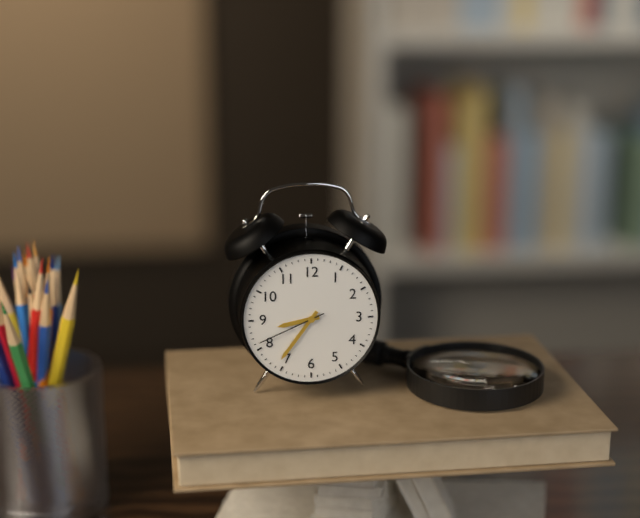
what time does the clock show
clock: 8:36:41
